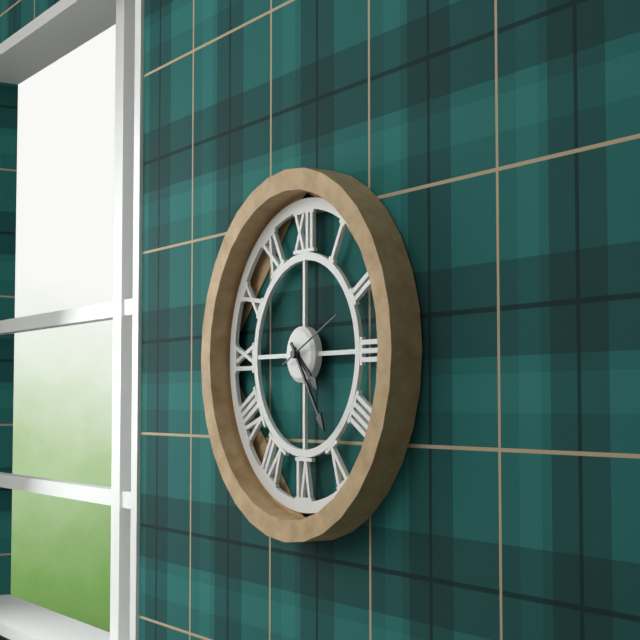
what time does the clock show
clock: 4:24:11
